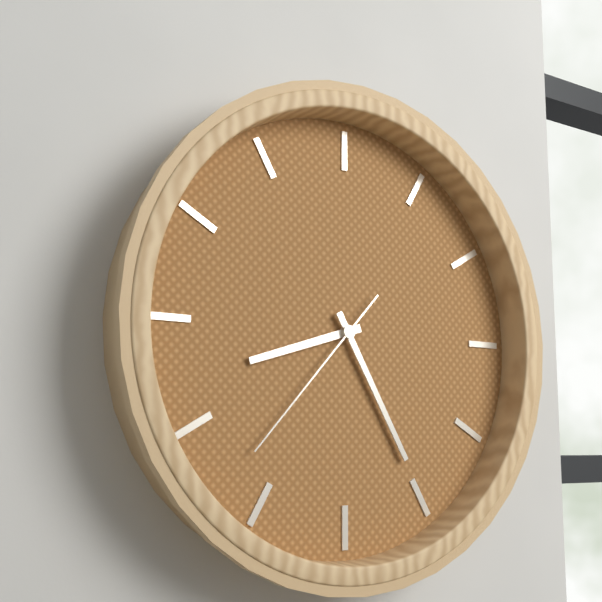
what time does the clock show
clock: 8:25:37
